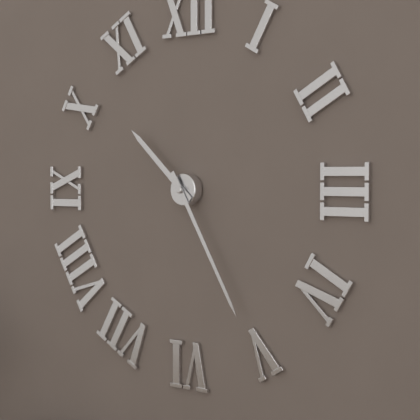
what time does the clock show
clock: 10:25
